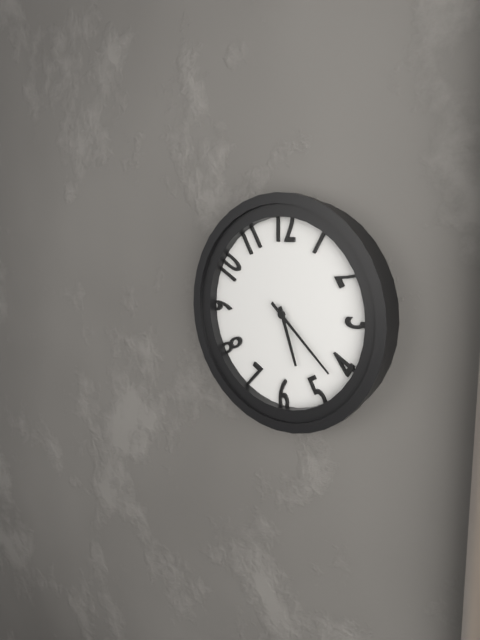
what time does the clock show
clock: 5:22
